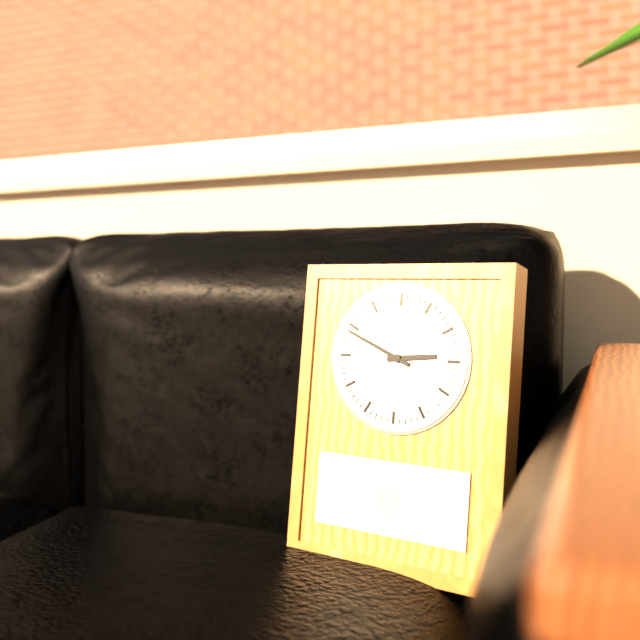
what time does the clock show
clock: 2:49
